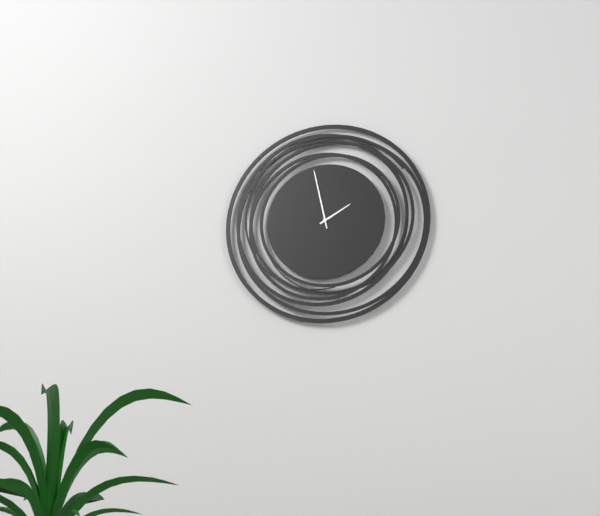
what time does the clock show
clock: 1:58
